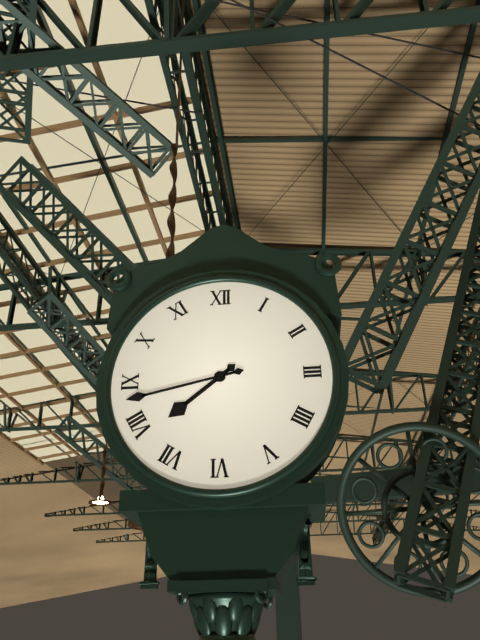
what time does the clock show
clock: 7:43
